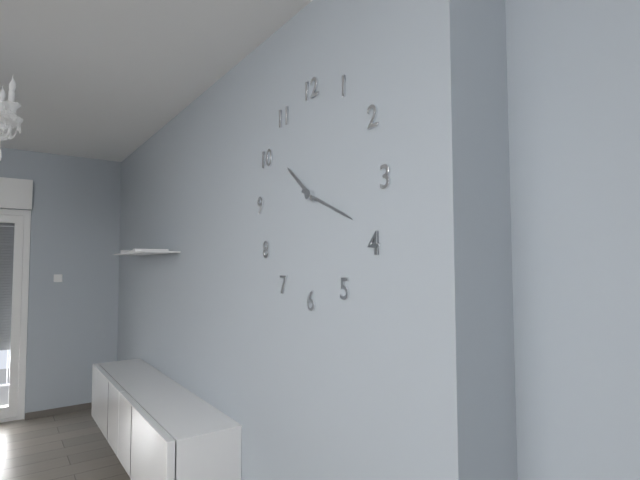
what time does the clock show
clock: 10:19
